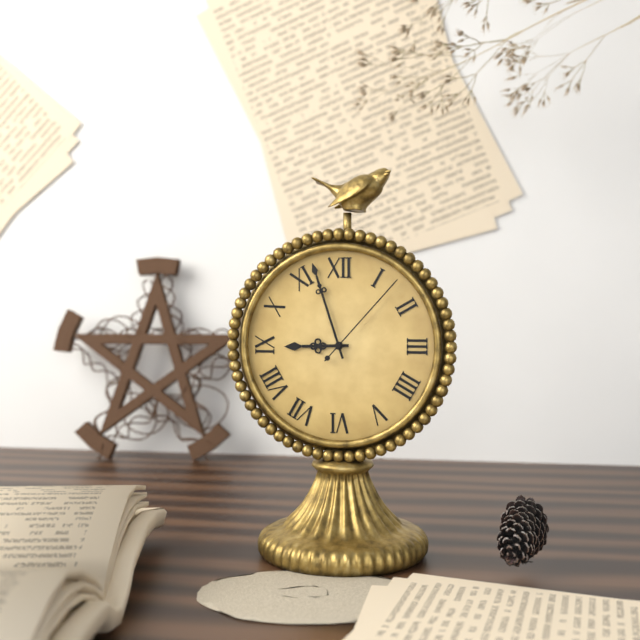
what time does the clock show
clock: 8:57:07
